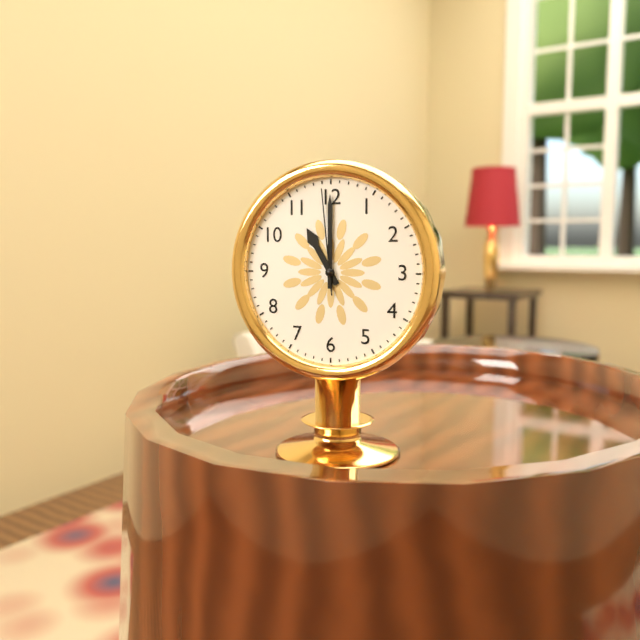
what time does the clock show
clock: 11:00:59
